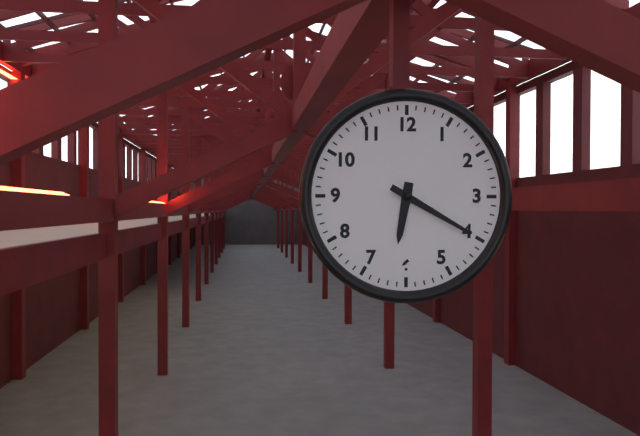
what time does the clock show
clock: 6:20
